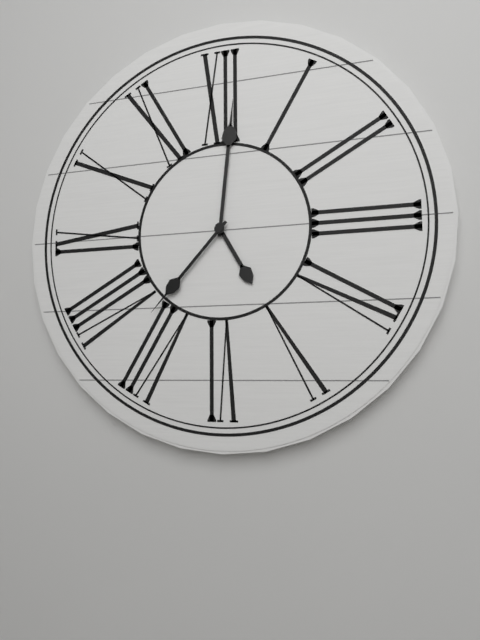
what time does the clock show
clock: 5:01:37
